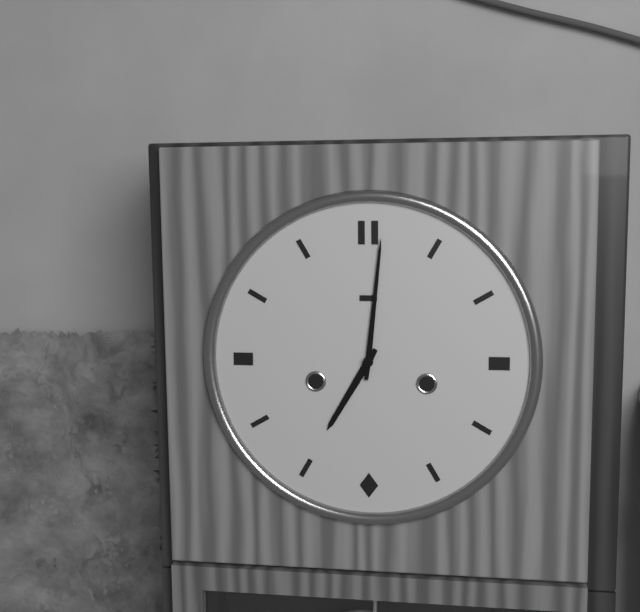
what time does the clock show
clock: 7:01
